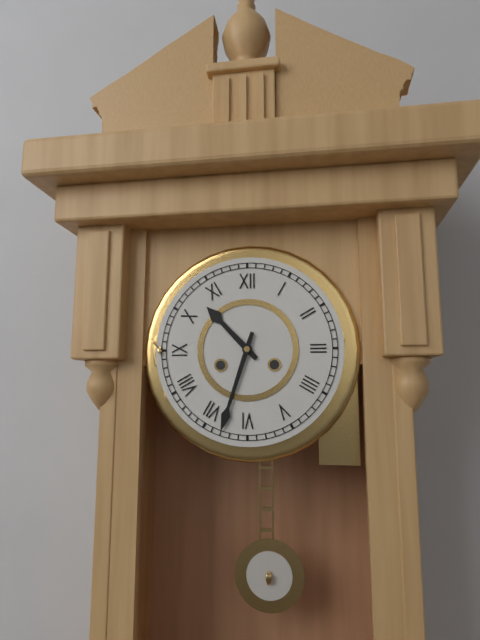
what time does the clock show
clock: 10:33
